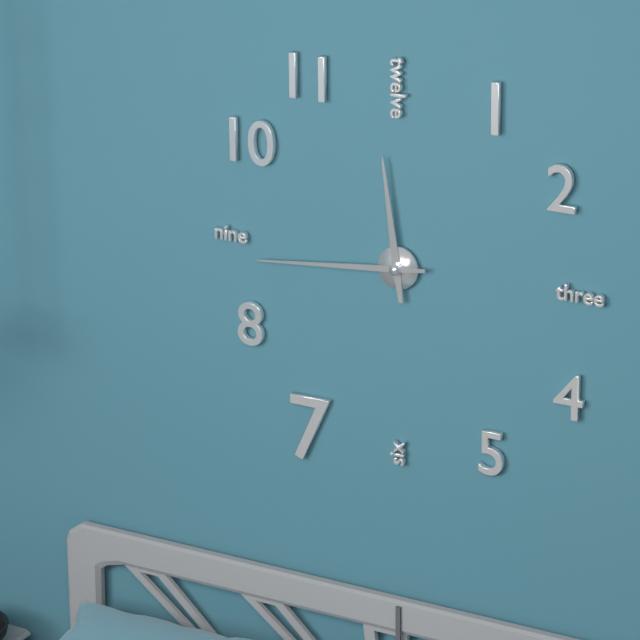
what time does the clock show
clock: 11:44
